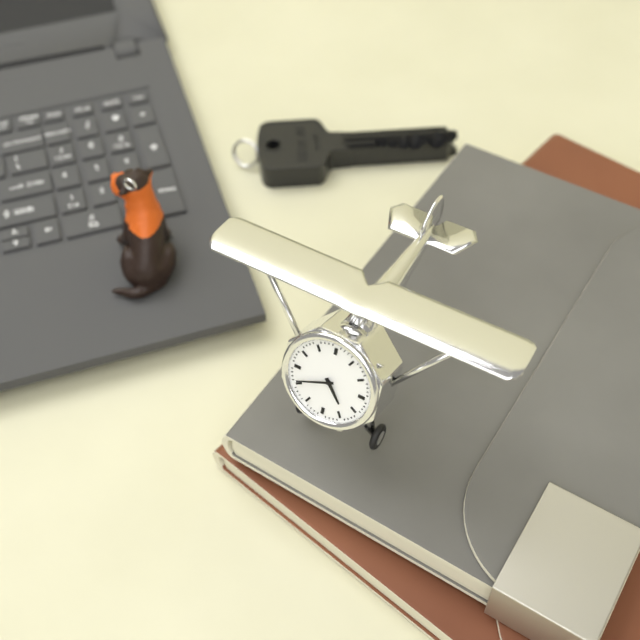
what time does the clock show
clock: 4:41
